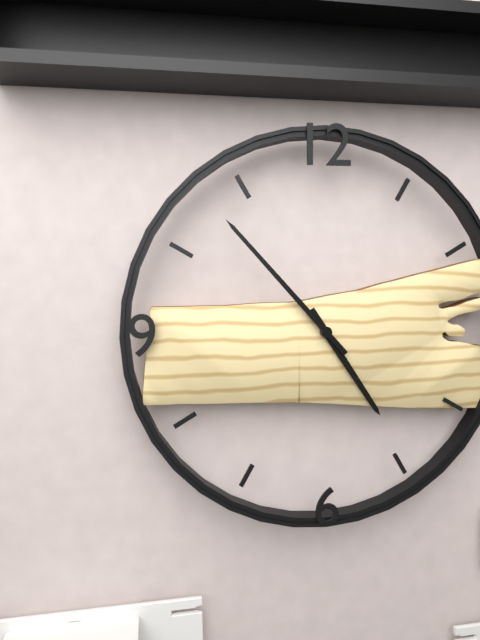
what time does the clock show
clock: 4:53
